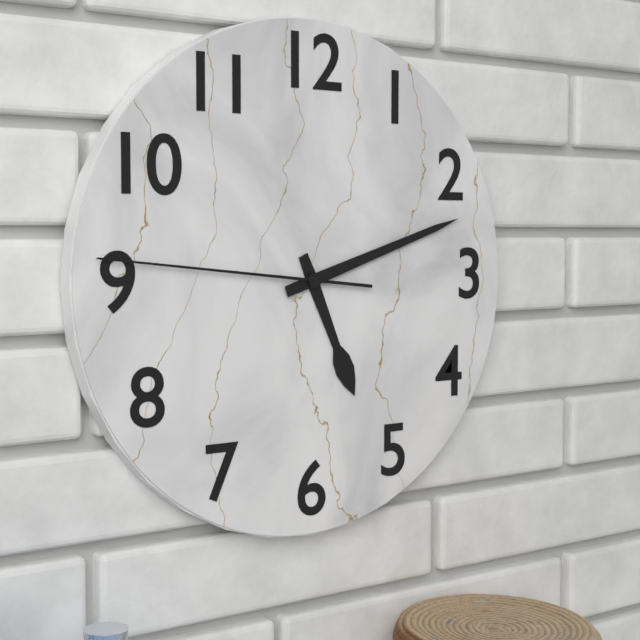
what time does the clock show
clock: 5:12:46
